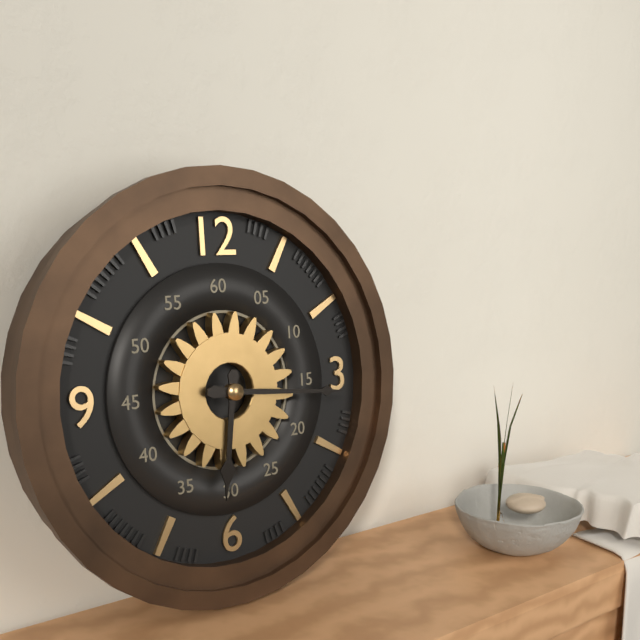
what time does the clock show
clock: 6:16
